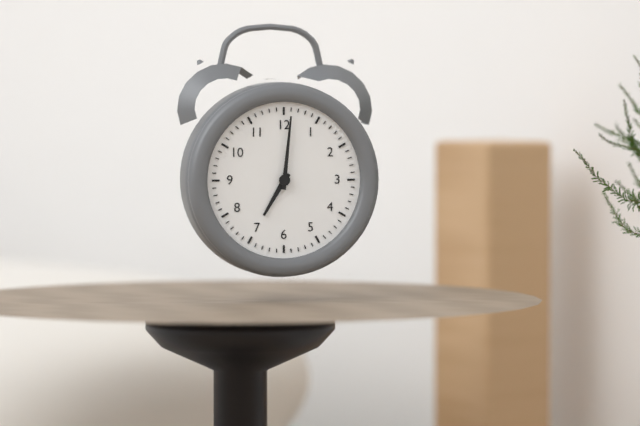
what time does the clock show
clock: 7:01
